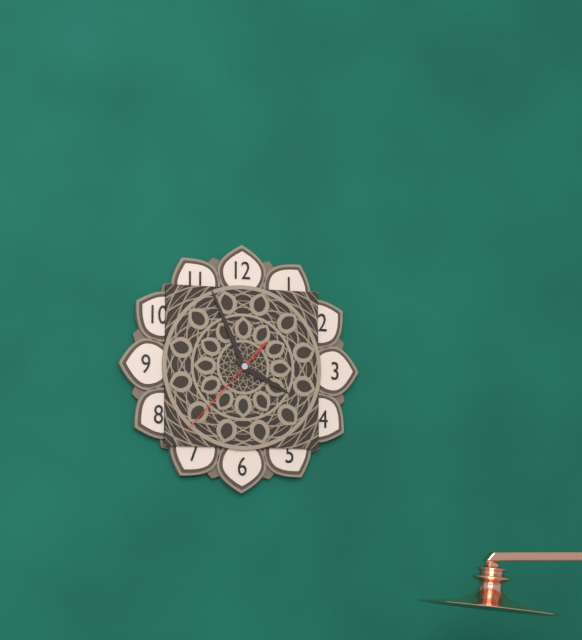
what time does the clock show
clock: 3:56:37
